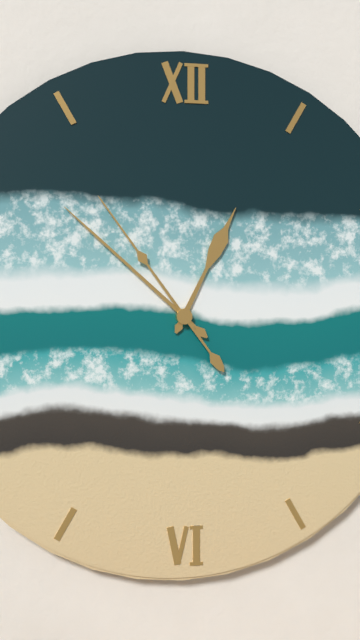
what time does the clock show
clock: 12:52:54
